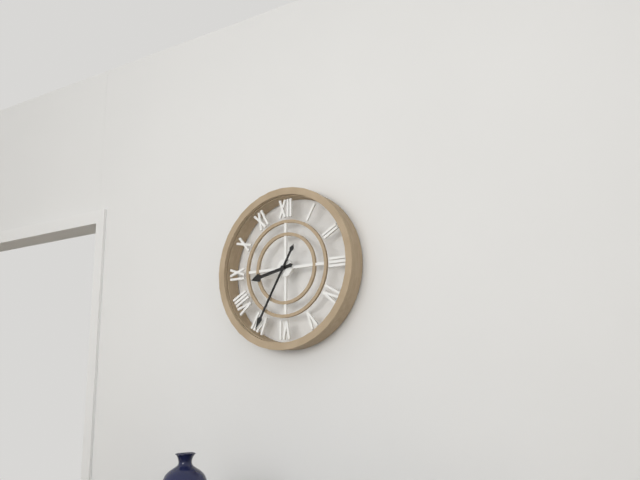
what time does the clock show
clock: 8:35
